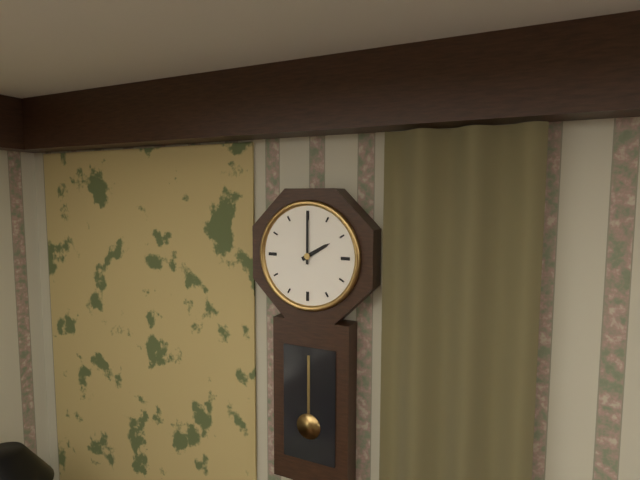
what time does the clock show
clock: 2:00
